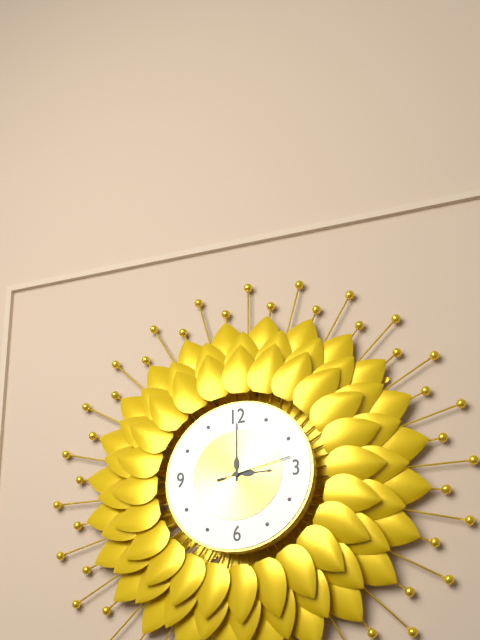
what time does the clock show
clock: 3:00:13
